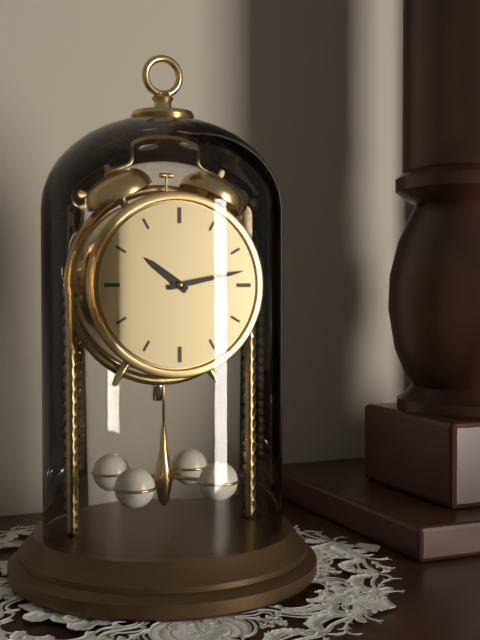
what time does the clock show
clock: 10:13
